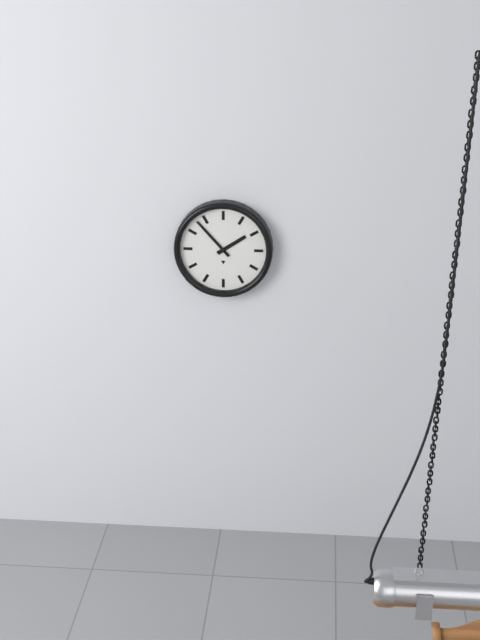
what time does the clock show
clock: 1:53
